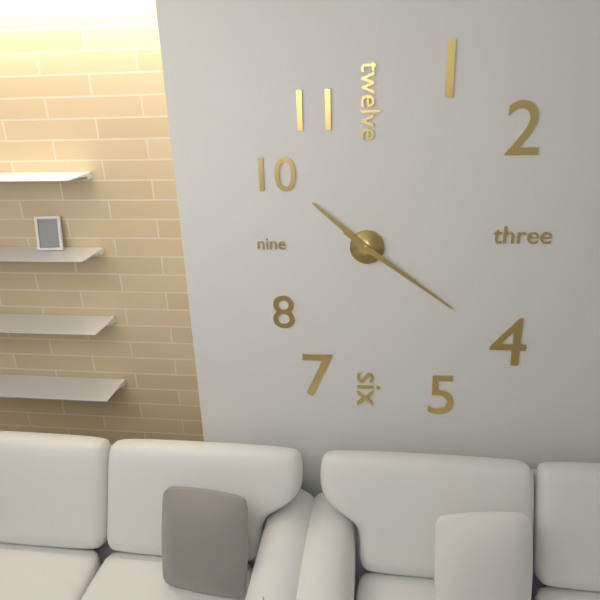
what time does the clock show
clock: 10:21
